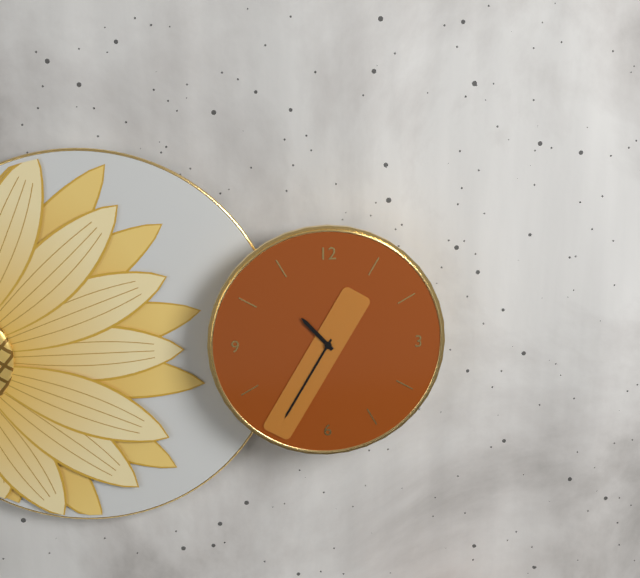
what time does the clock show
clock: 10:35
